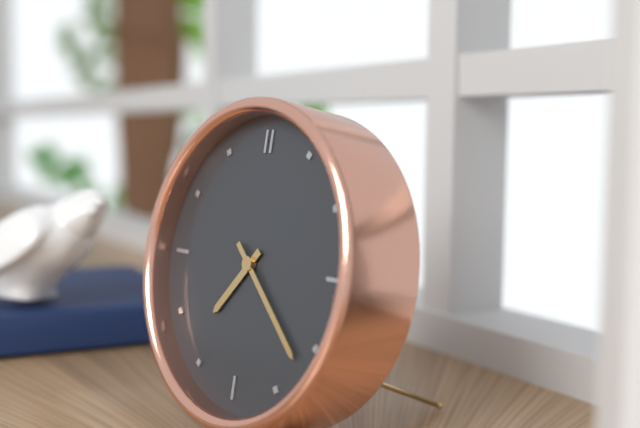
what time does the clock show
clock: 7:22
